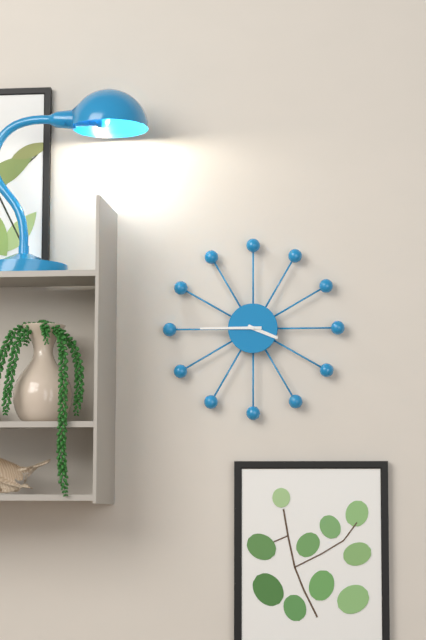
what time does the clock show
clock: 3:45
